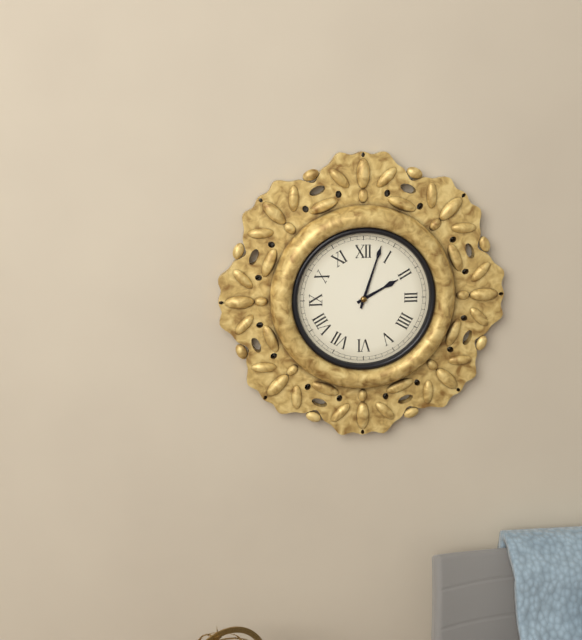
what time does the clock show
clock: 2:03
